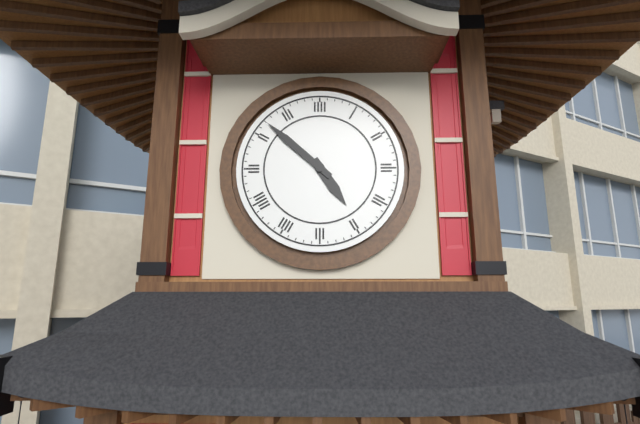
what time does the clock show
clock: 4:52
